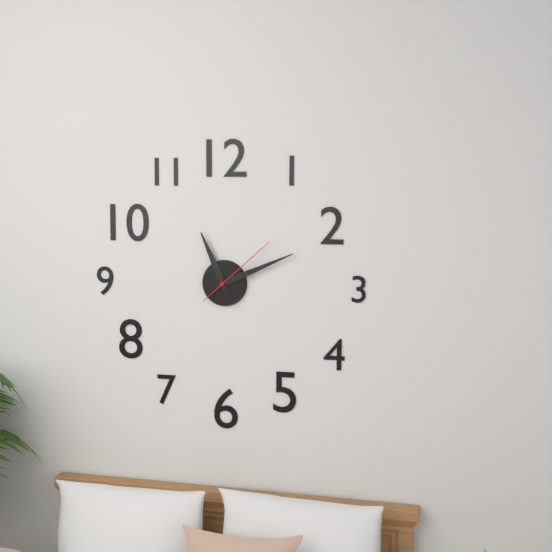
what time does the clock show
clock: 11:11:08
